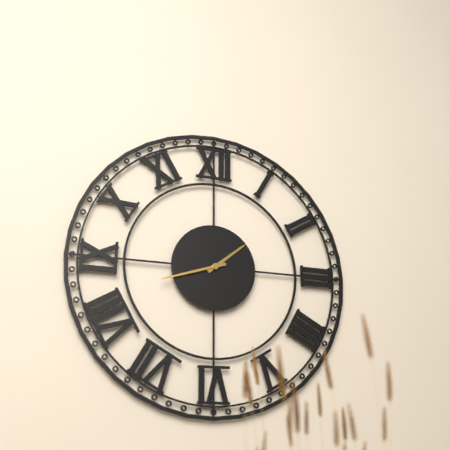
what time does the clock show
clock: 1:42
